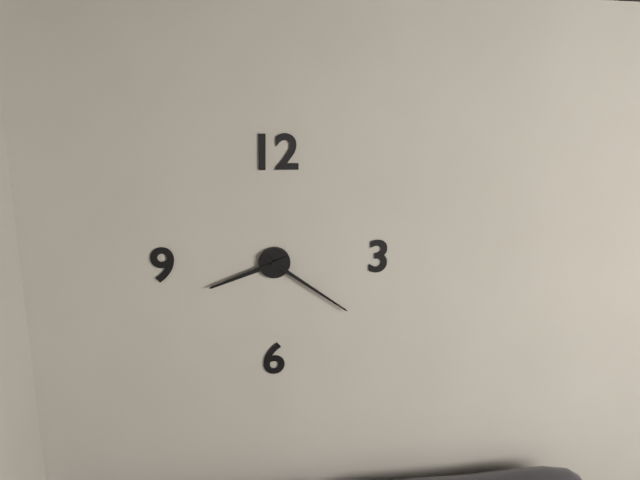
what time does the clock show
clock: 8:21
